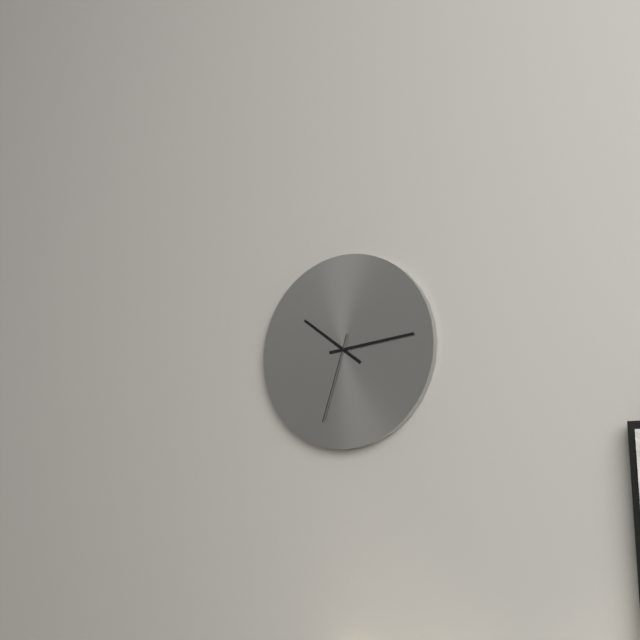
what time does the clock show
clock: 10:14:33
